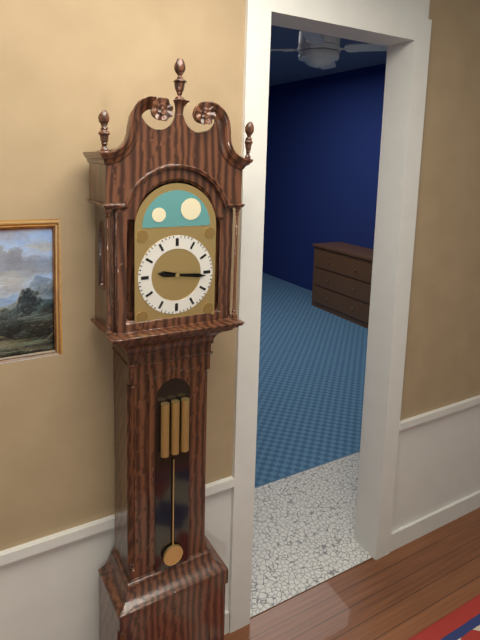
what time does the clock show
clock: 9:16
